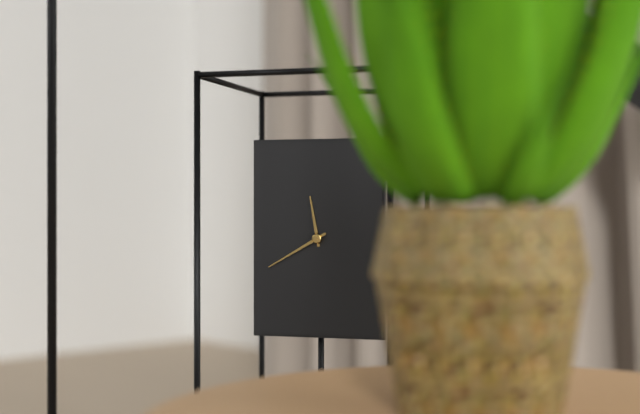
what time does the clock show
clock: 11:40
